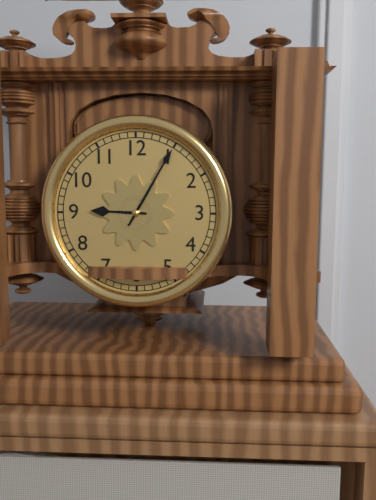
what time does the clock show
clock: 9:05
